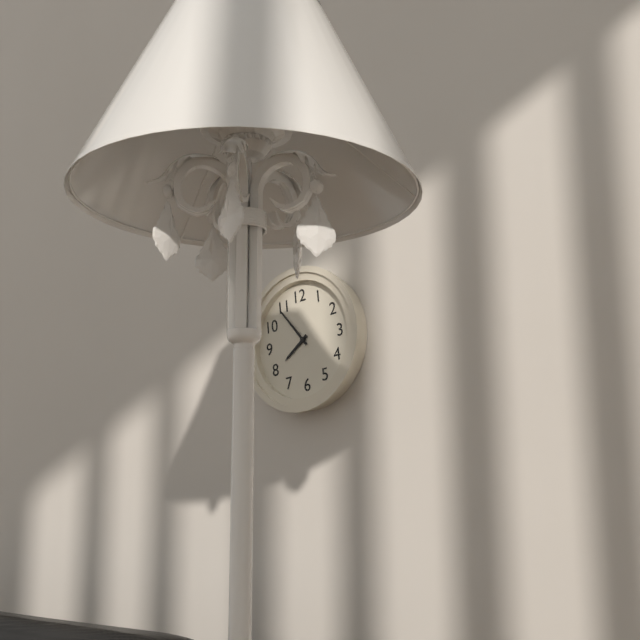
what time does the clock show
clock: 7:54
